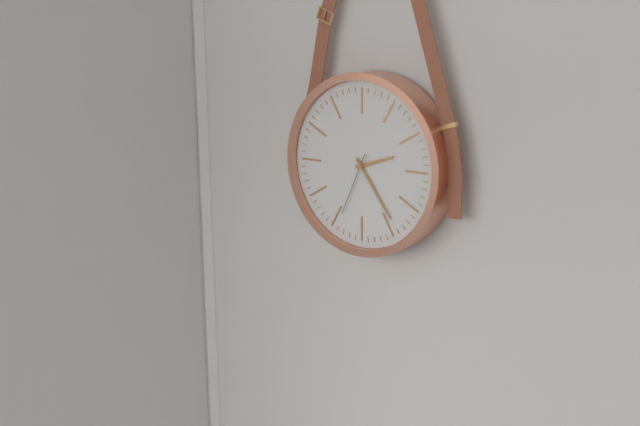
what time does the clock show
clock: 2:24:34
